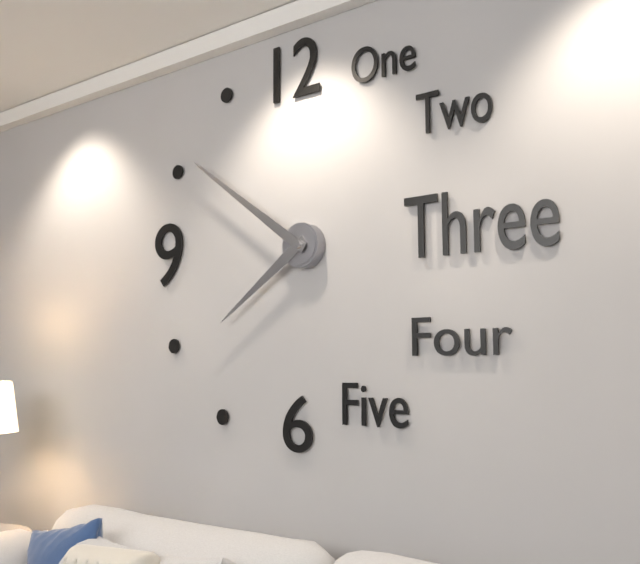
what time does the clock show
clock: 7:51
